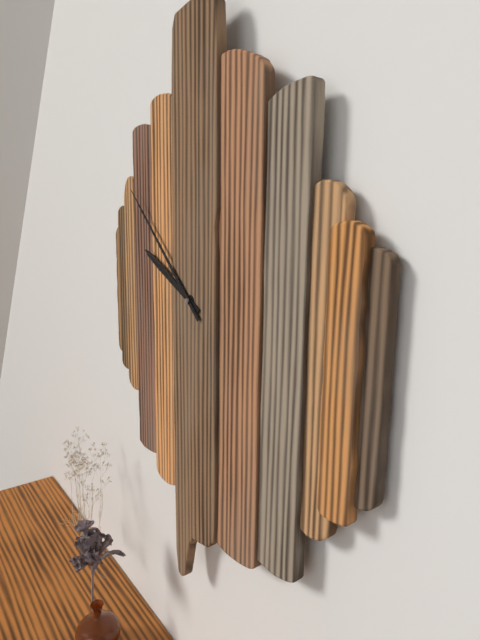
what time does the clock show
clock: 9:52
